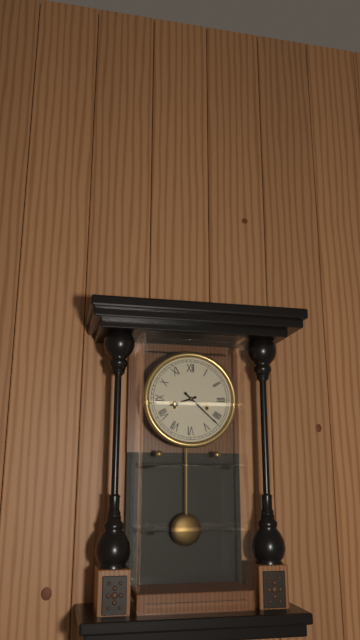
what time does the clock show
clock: 8:22
